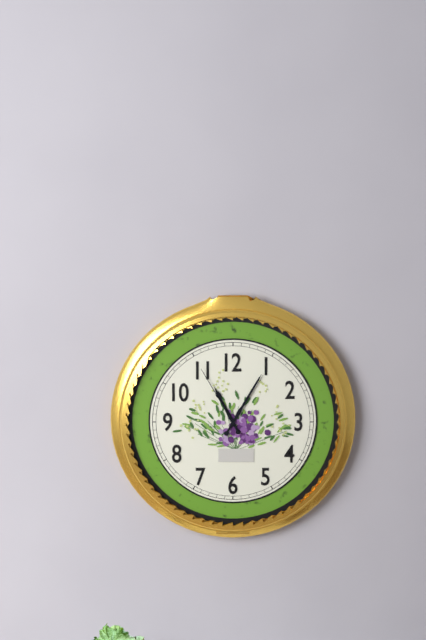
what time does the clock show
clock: 11:05:55
